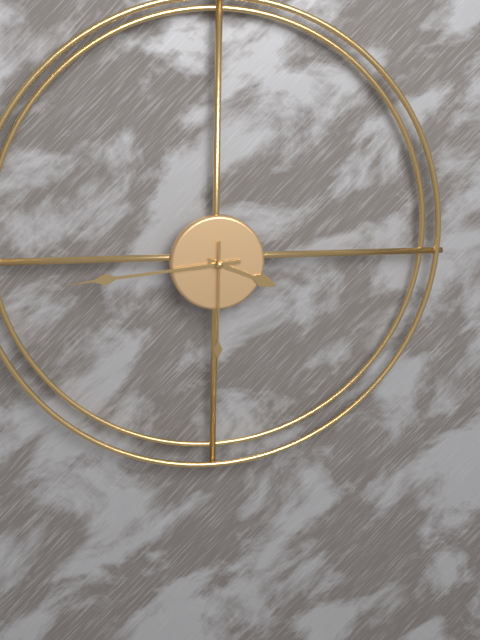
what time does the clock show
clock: 3:44:30
